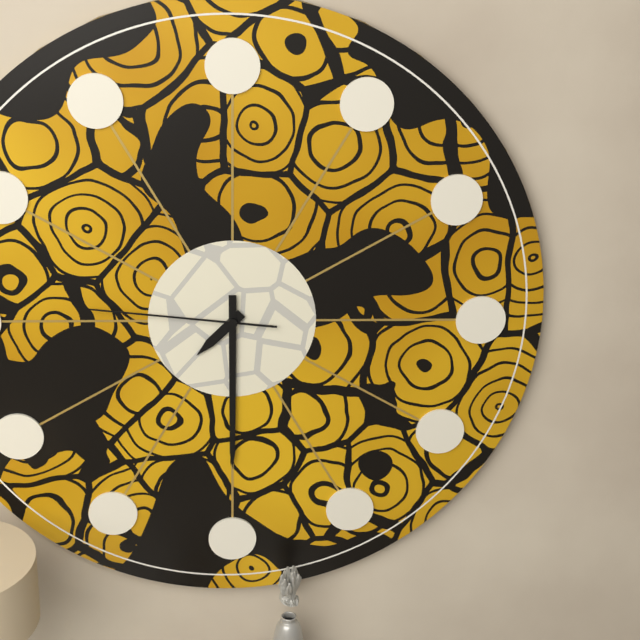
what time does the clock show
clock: 7:30:46
